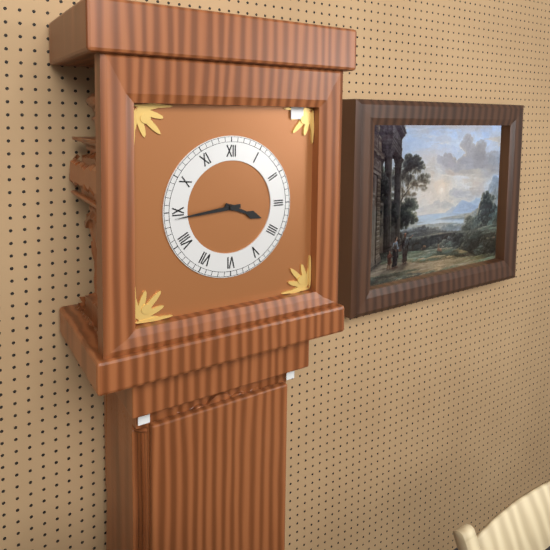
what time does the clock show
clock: 3:44
